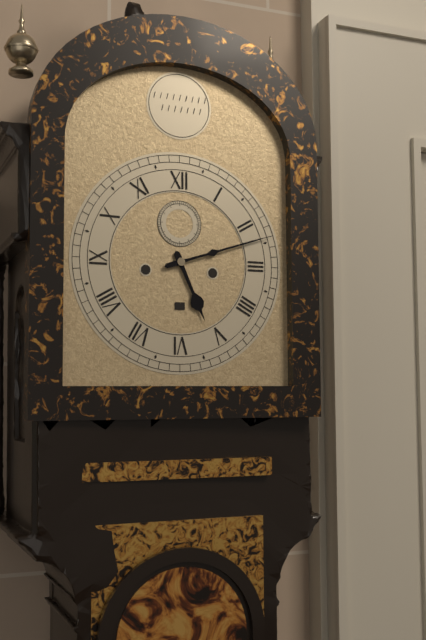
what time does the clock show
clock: 5:12
